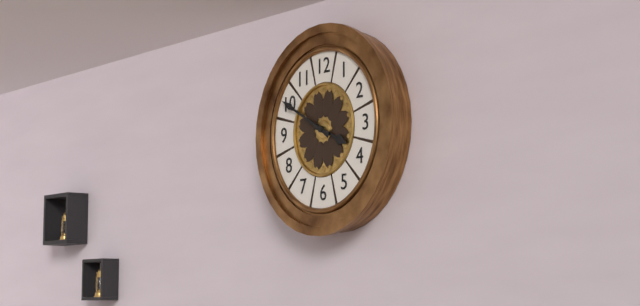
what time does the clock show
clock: 3:50
